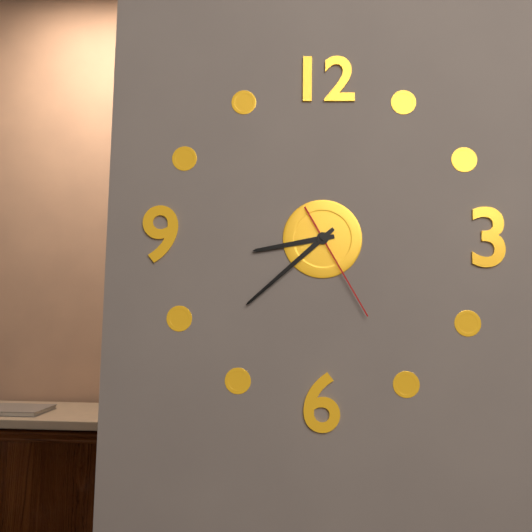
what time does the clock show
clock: 8:38:25
